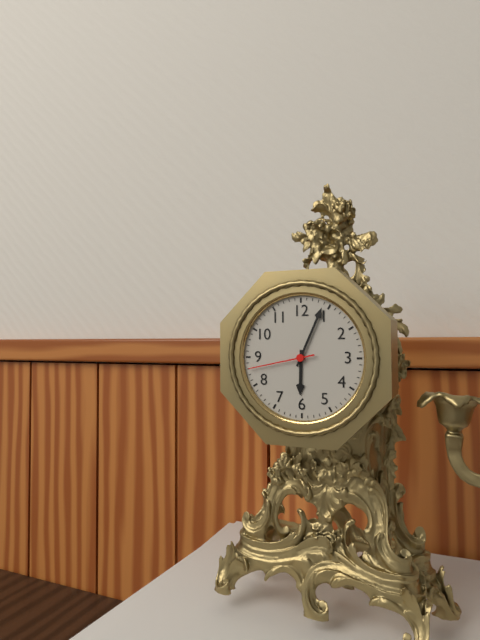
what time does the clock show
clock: 6:04:43
